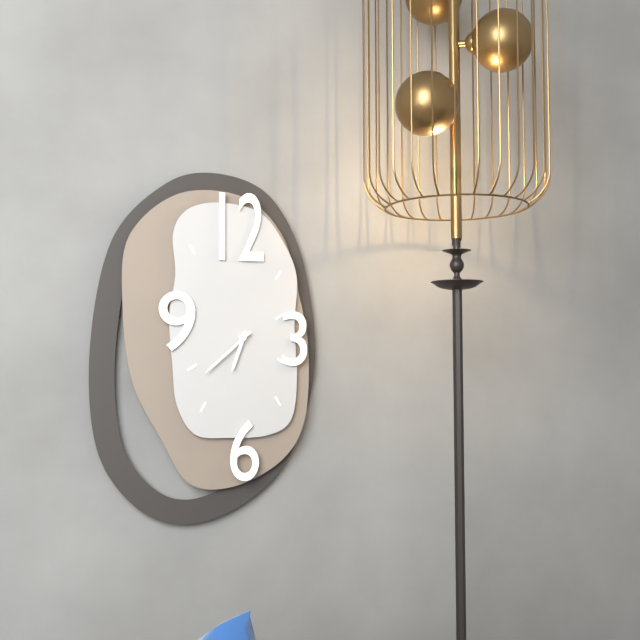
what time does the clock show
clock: 6:38
